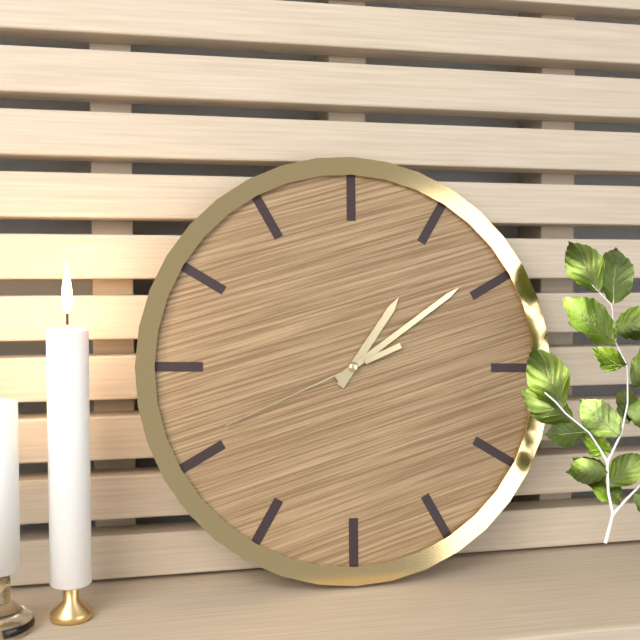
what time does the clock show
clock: 1:09:41
